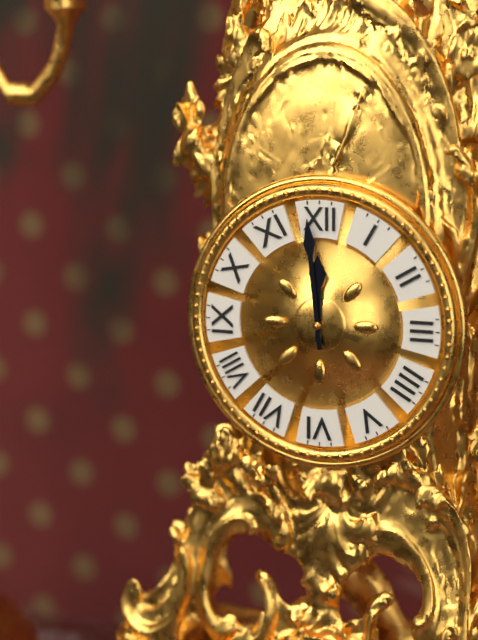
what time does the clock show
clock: 11:59
